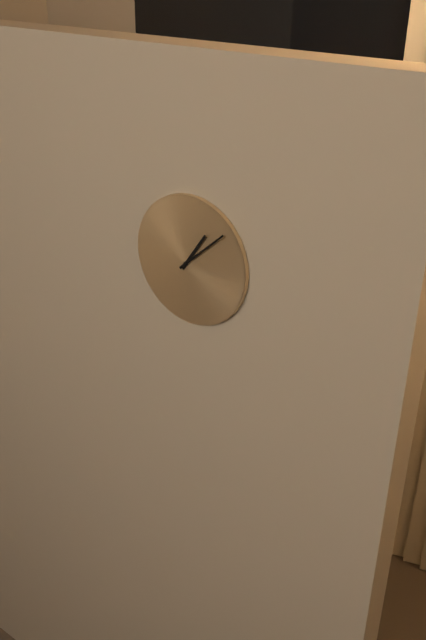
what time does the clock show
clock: 1:08
